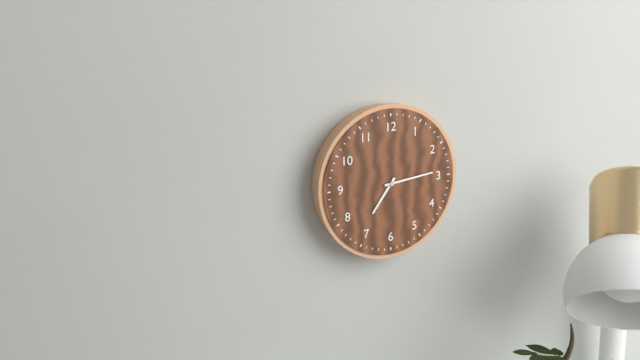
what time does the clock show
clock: 7:14
